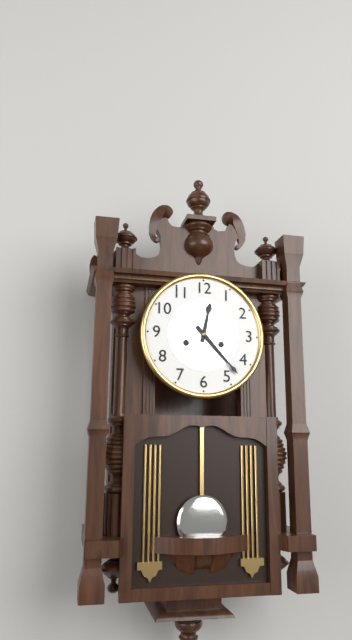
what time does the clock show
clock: 12:23
